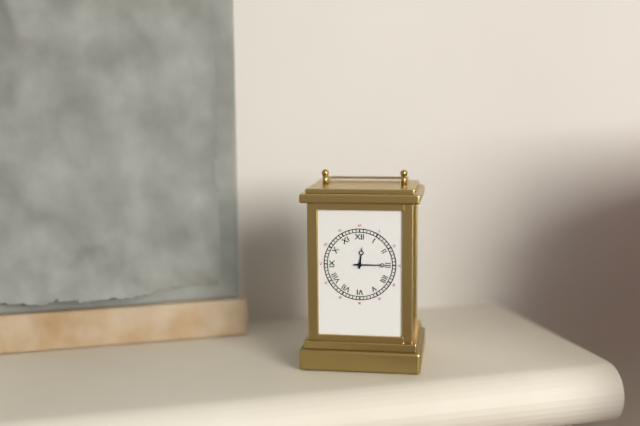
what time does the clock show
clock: 12:15
